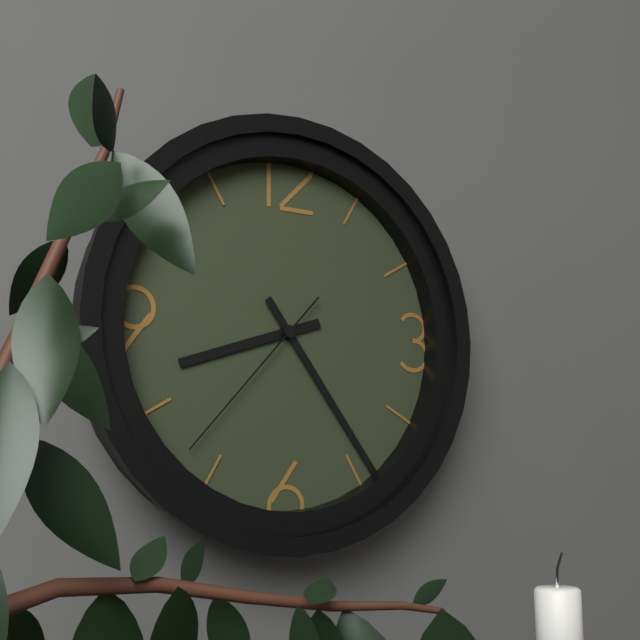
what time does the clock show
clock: 8:24:37
